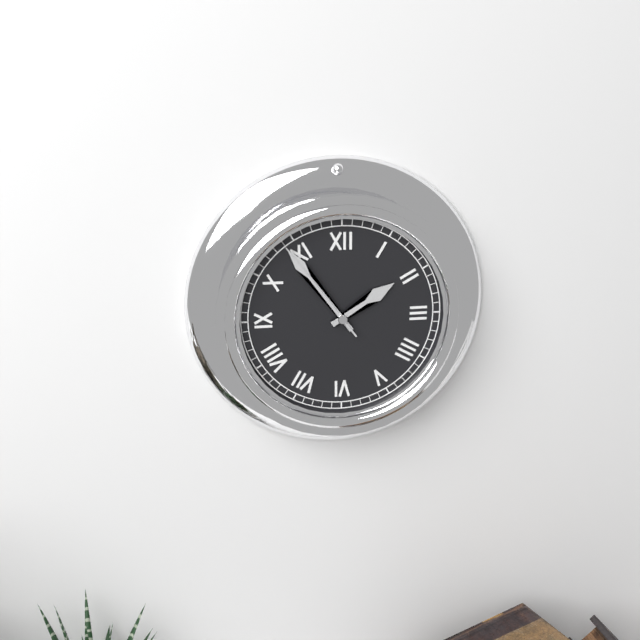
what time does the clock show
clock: 1:54:54
